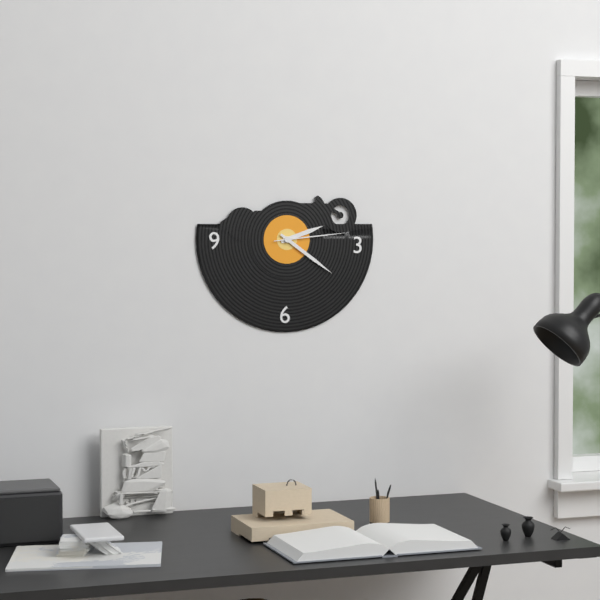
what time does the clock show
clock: 2:21:14
